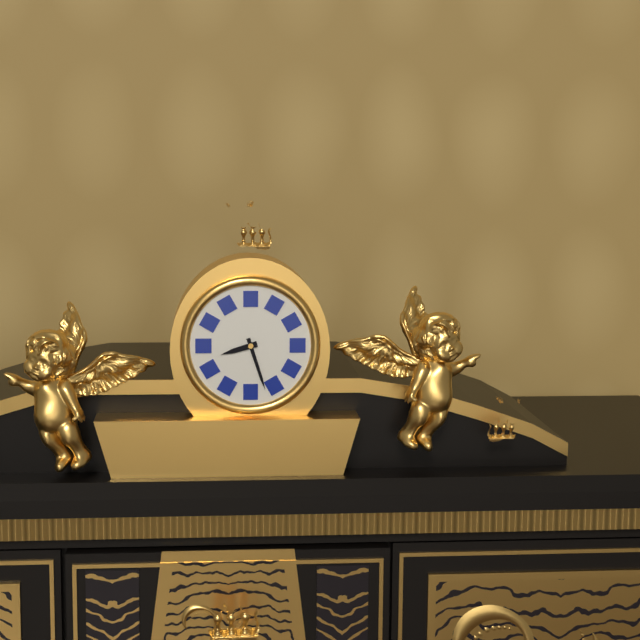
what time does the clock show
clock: 8:27
